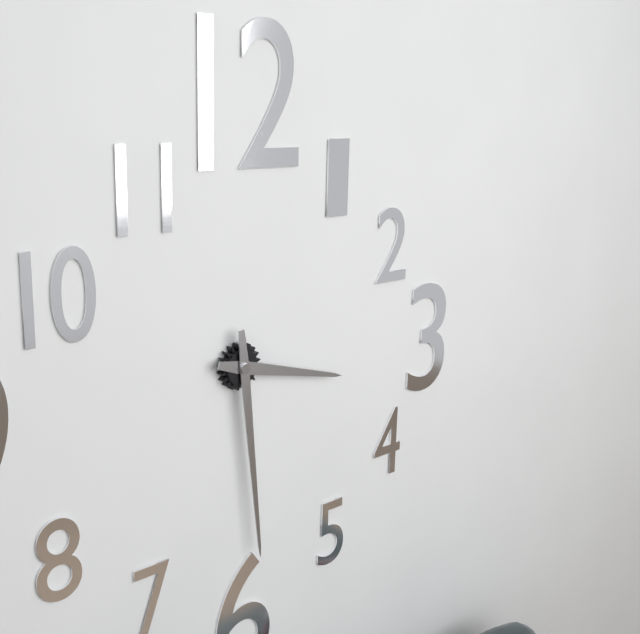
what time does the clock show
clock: 3:29
